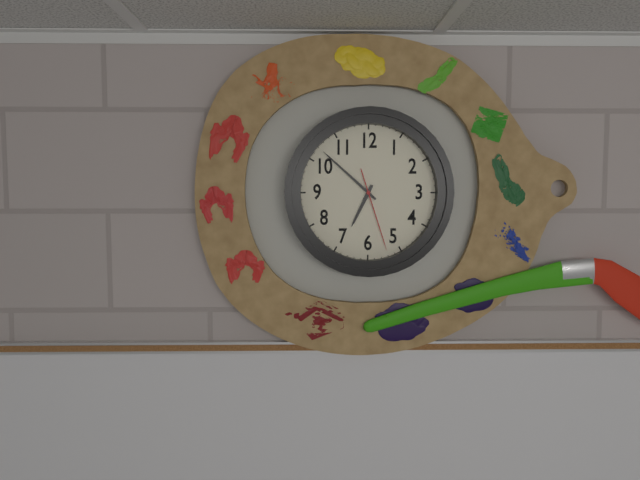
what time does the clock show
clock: 6:52:27
